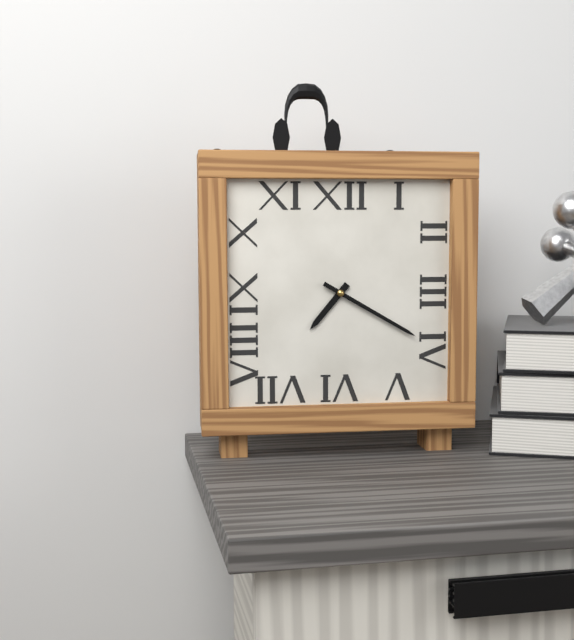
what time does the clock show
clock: 7:20
